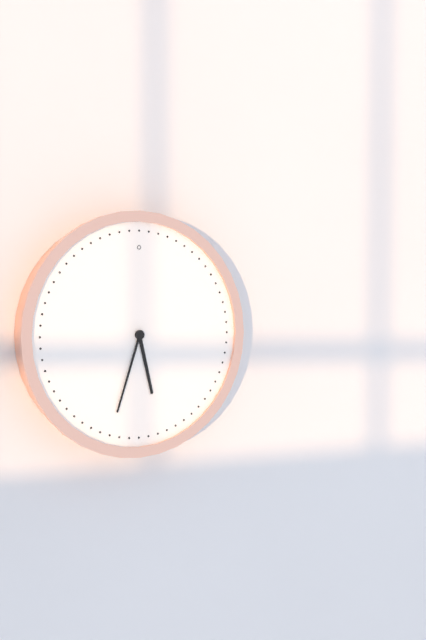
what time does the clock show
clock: 5:33
